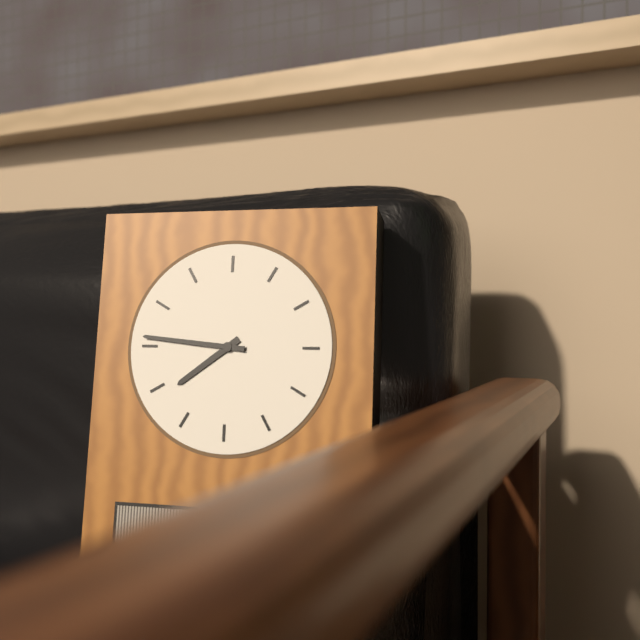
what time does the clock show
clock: 7:46
